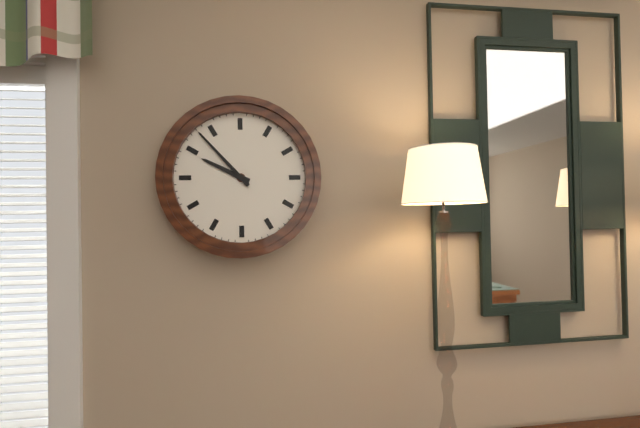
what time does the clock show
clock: 9:53
